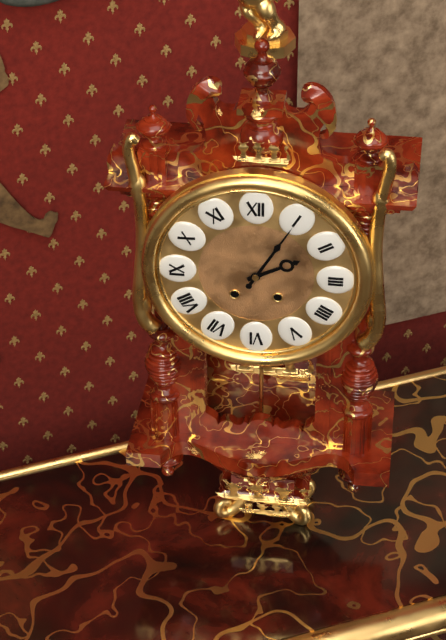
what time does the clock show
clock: 2:05
